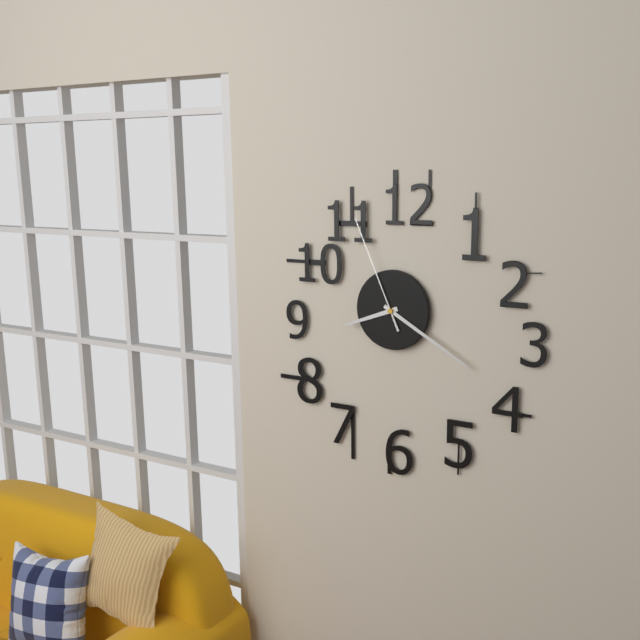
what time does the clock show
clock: 8:20:56
